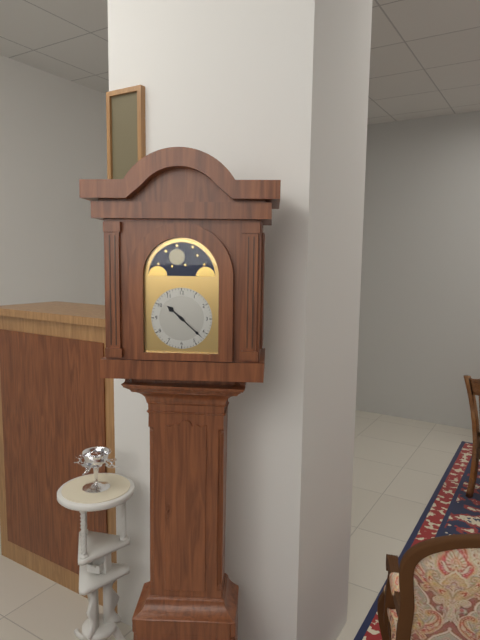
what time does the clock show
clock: 10:22
